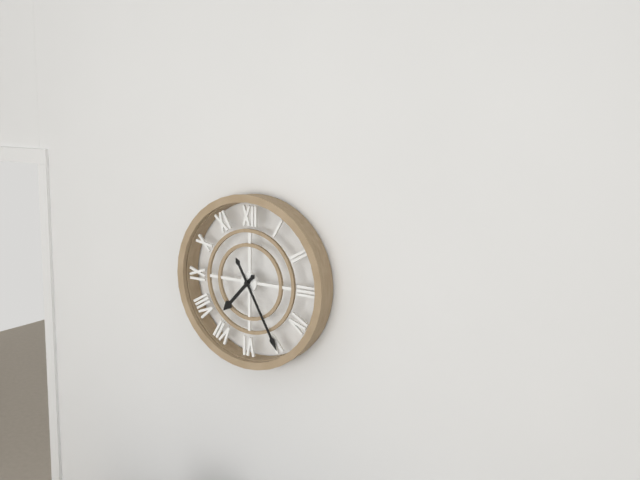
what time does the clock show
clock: 7:25
